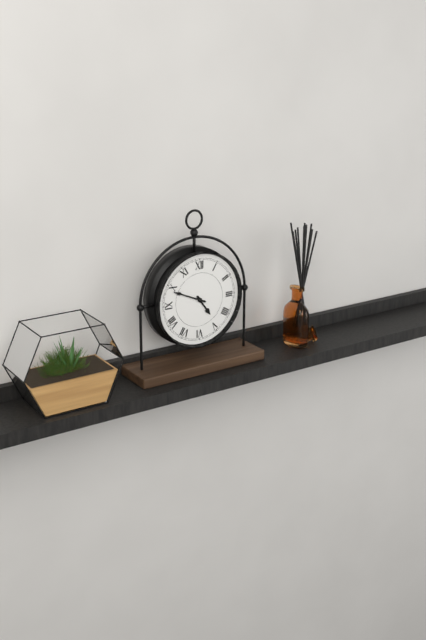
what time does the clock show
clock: 4:49
